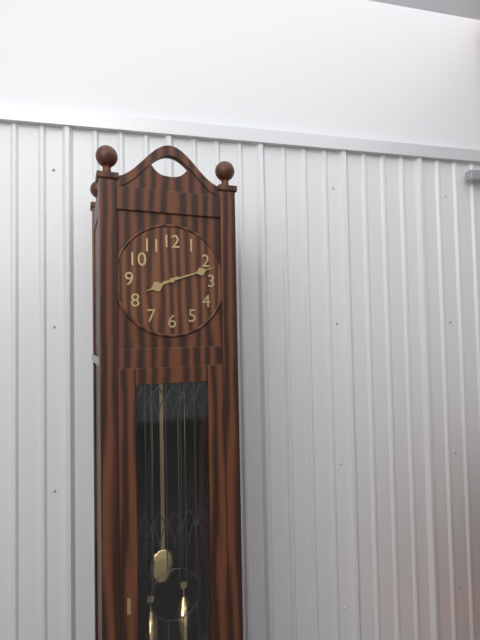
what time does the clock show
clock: 8:12
